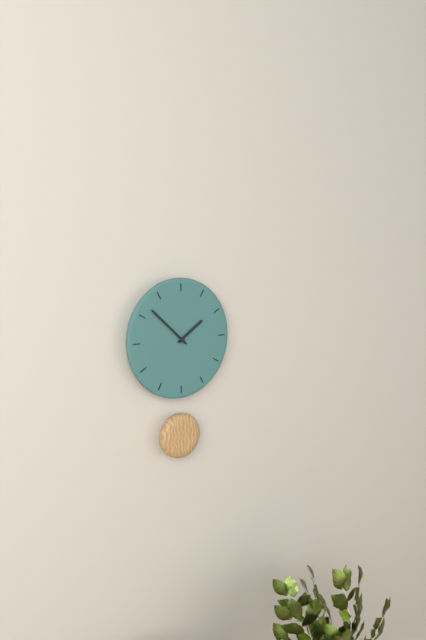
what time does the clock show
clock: 1:52
